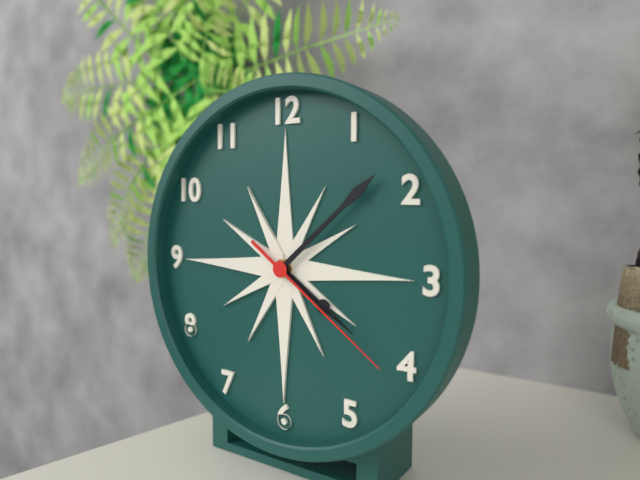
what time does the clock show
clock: 4:08:21
